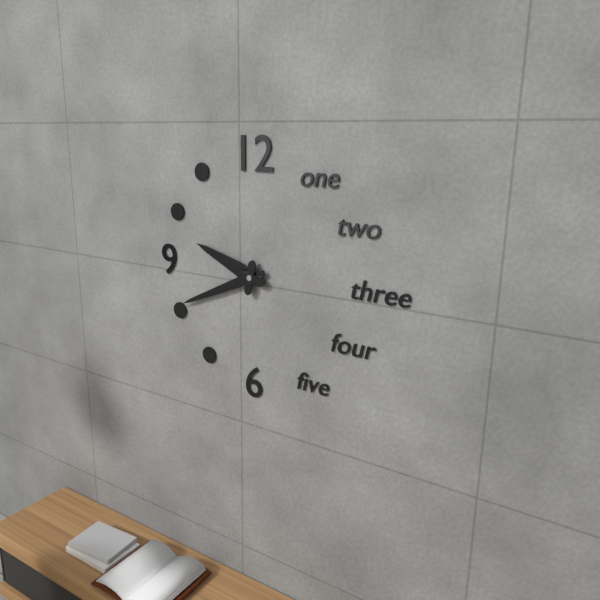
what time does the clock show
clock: 9:41
